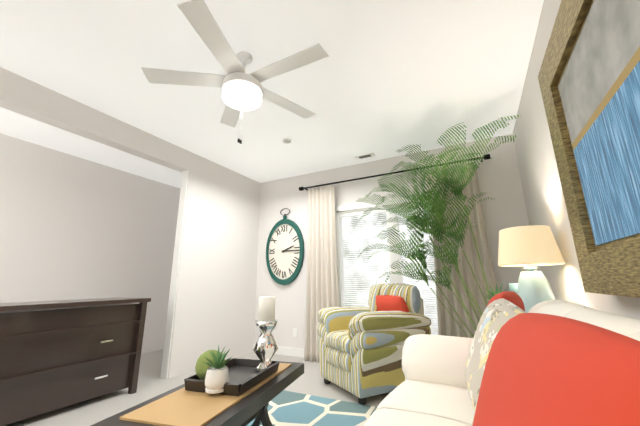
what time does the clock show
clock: 2:15
